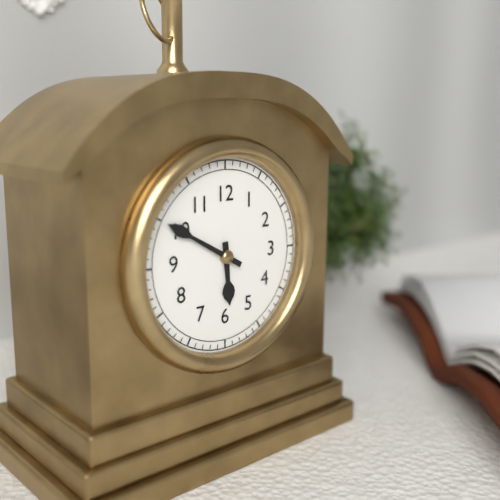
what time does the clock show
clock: 5:50
